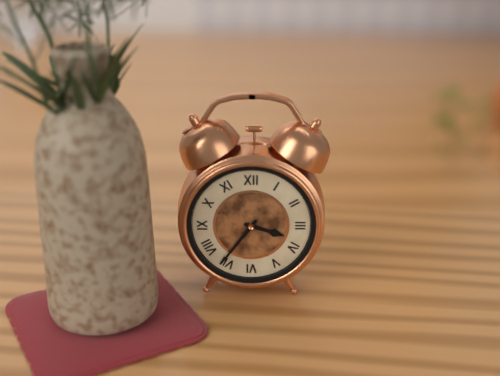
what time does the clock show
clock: 3:36
